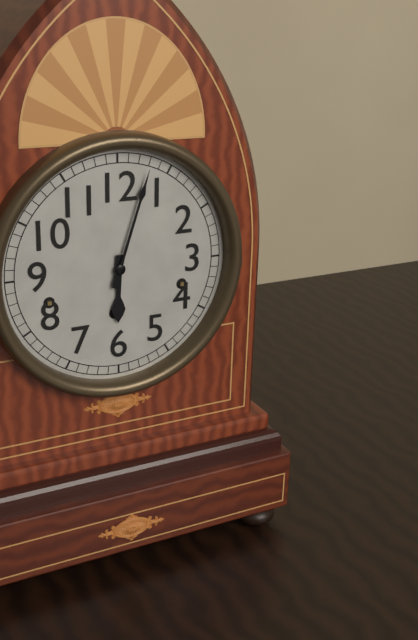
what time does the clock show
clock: 6:03
